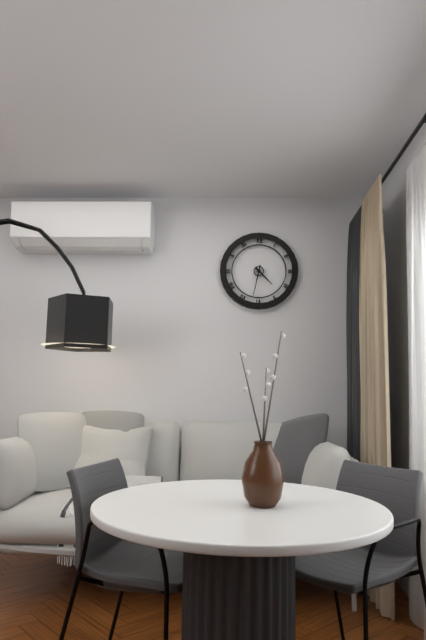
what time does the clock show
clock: 4:32
